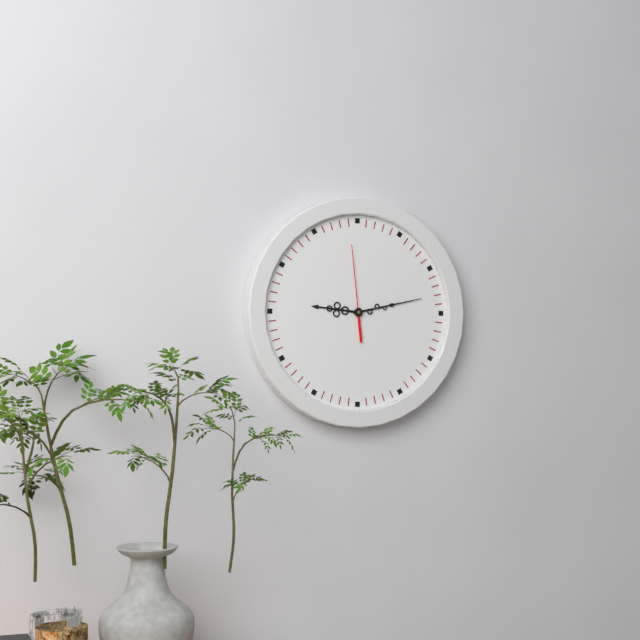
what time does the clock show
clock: 9:13:59
